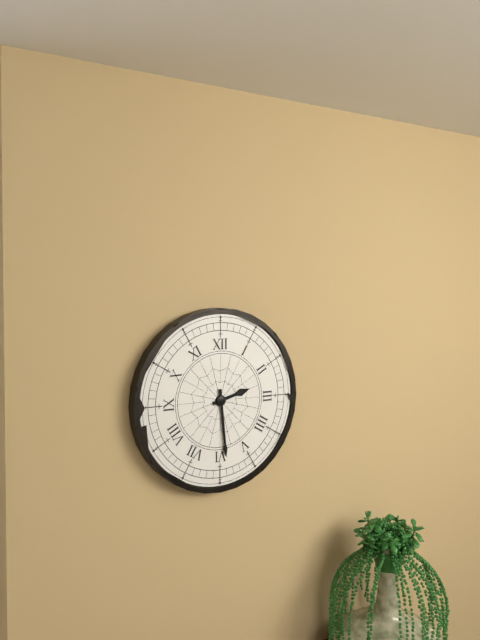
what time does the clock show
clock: 2:29
